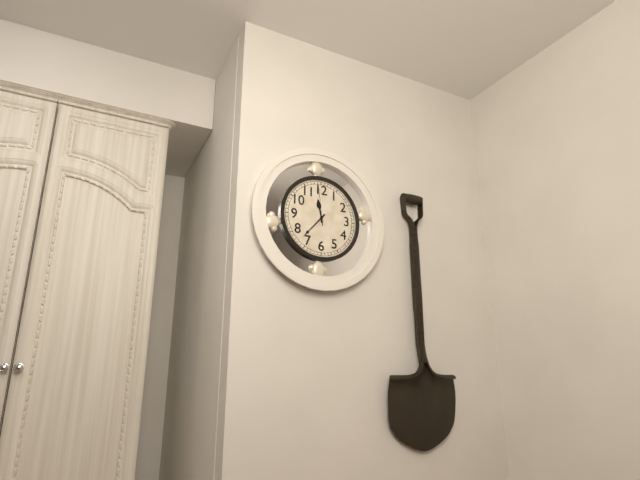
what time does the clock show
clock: 11:37
